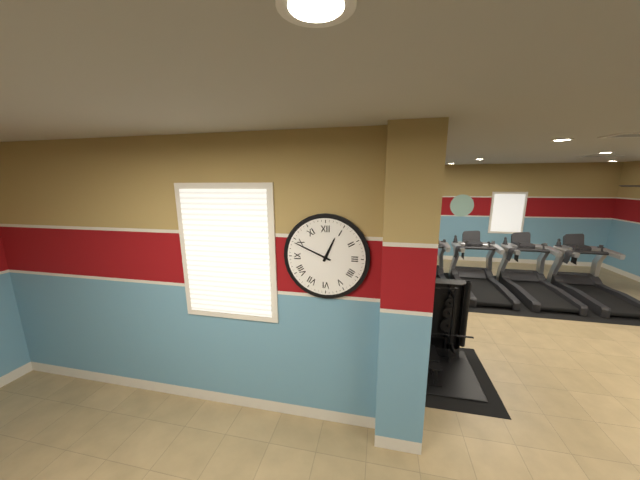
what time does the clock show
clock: 12:49
